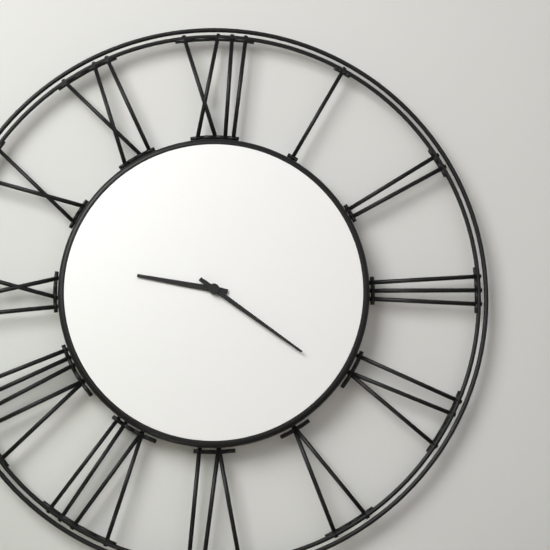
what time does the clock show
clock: 9:21
